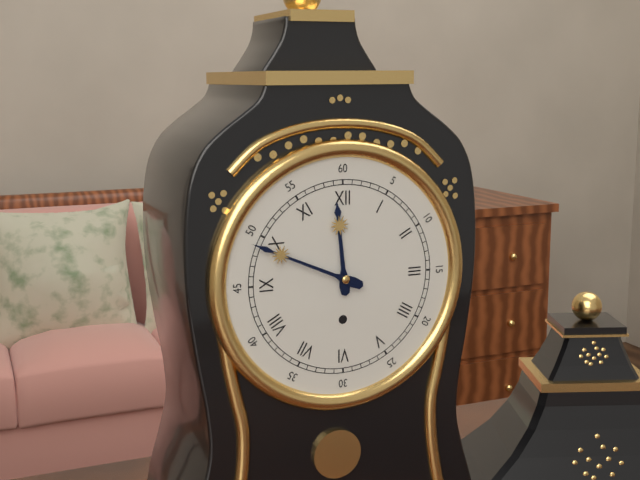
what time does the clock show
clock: 11:49
